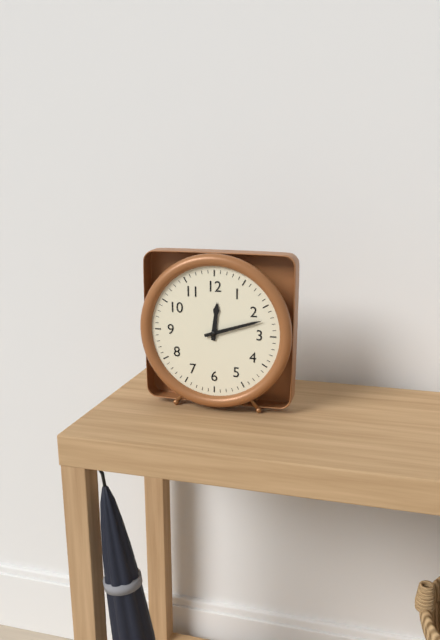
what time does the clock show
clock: 12:12
